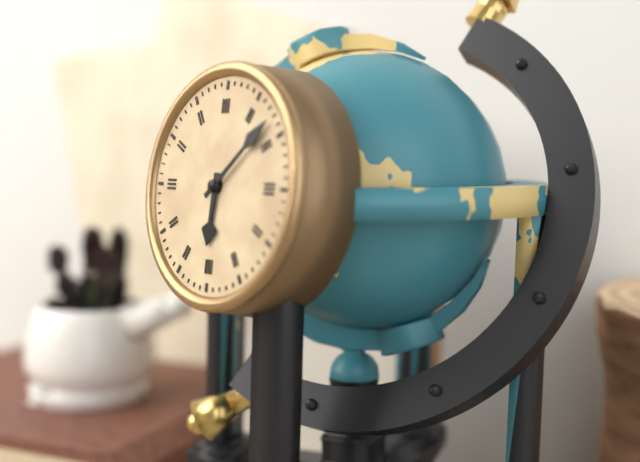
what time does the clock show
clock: 6:08
